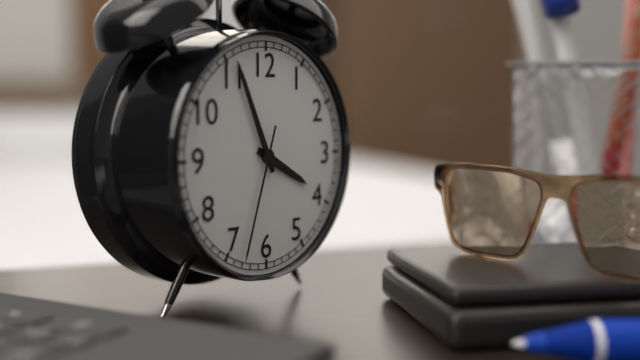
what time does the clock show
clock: 3:56:33
